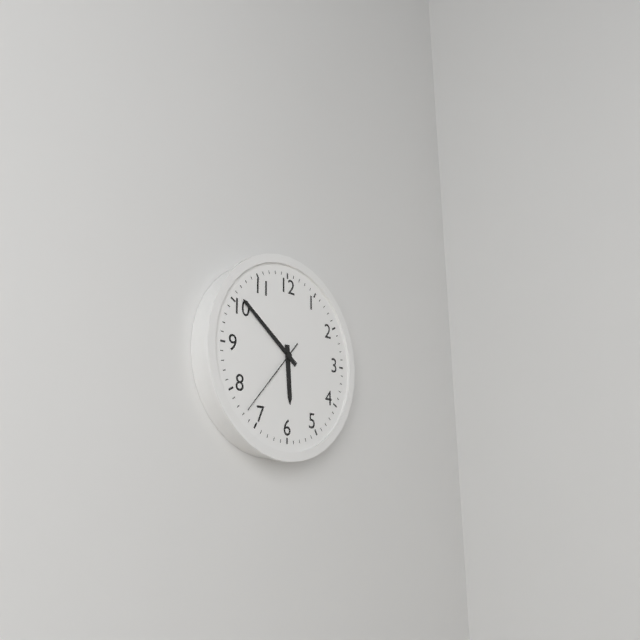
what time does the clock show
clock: 5:51:37
